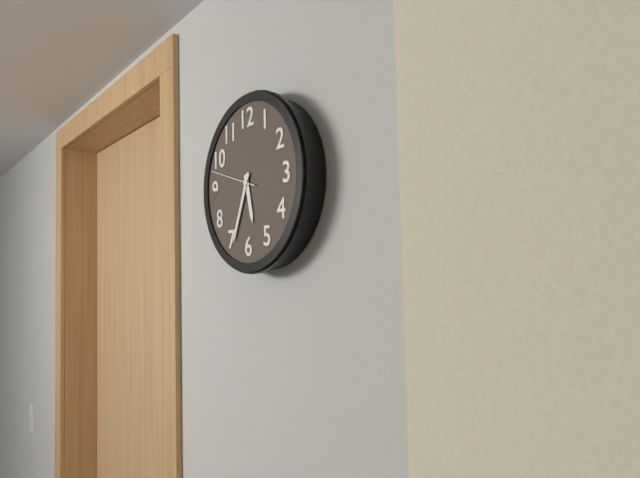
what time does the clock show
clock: 5:34
